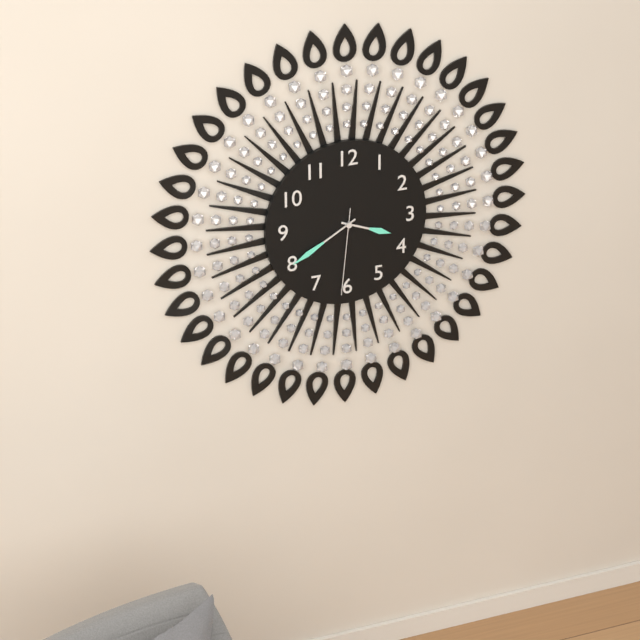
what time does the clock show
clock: 3:40:31
